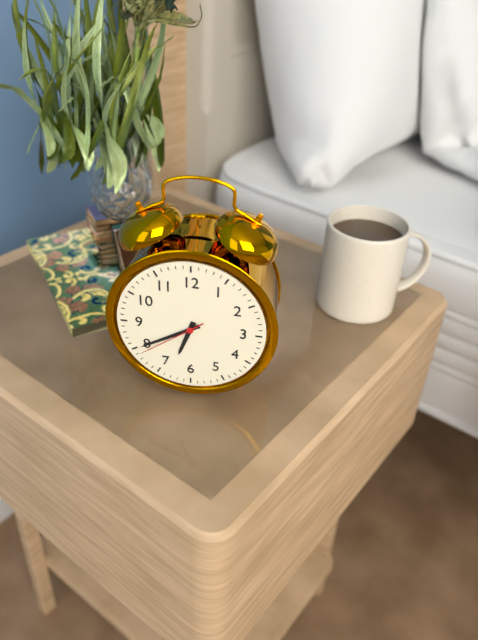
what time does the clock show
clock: 6:40:39
